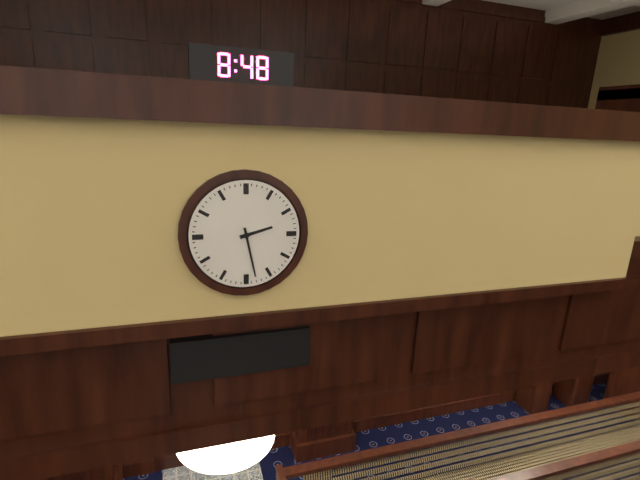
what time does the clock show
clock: 2:28
